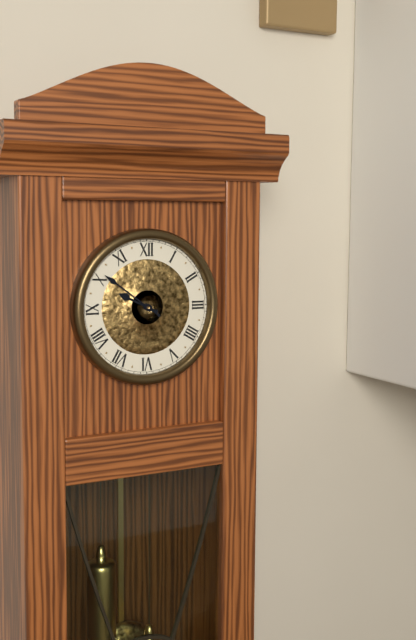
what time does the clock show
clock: 9:51
